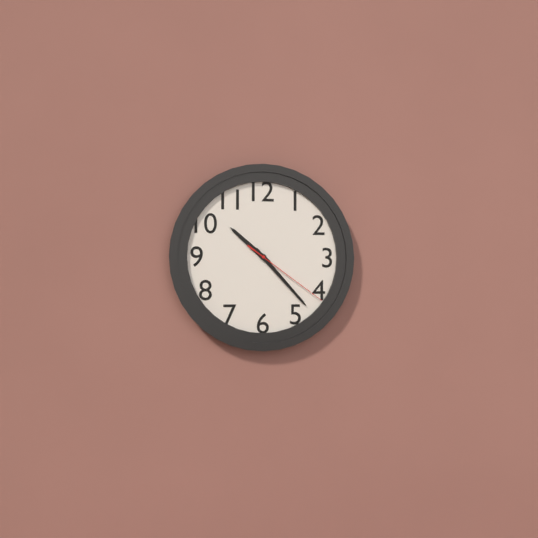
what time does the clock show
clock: 10:23:21
